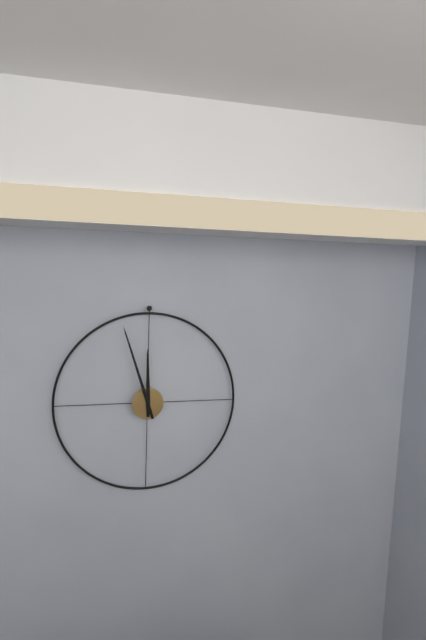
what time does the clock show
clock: 11:57
